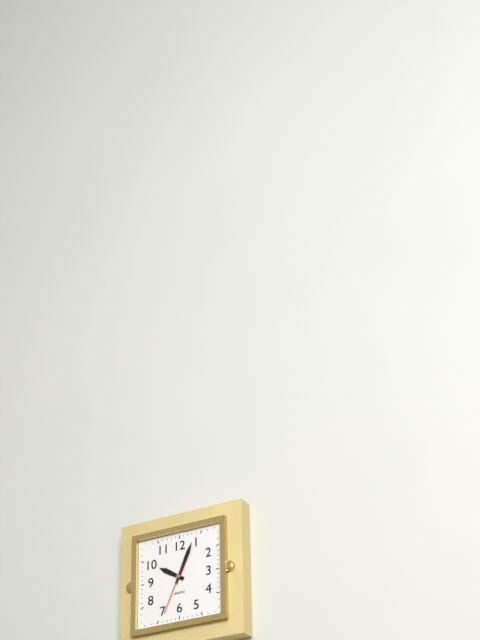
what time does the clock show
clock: 10:04
